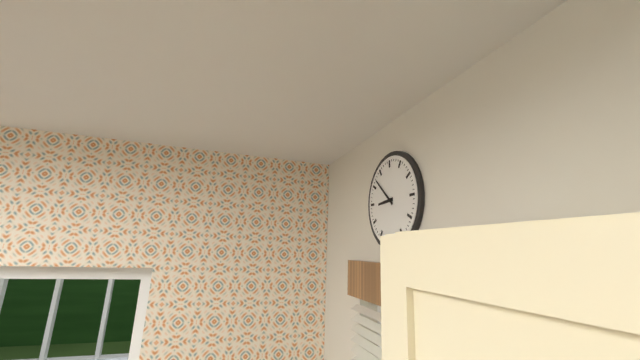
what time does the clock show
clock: 8:52
